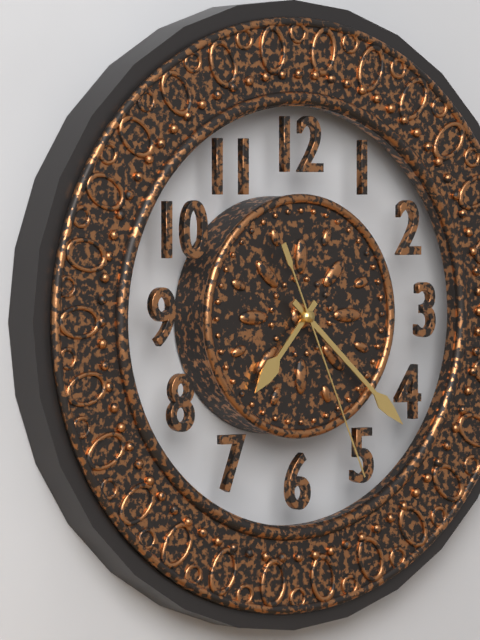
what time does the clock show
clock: 7:22:26
